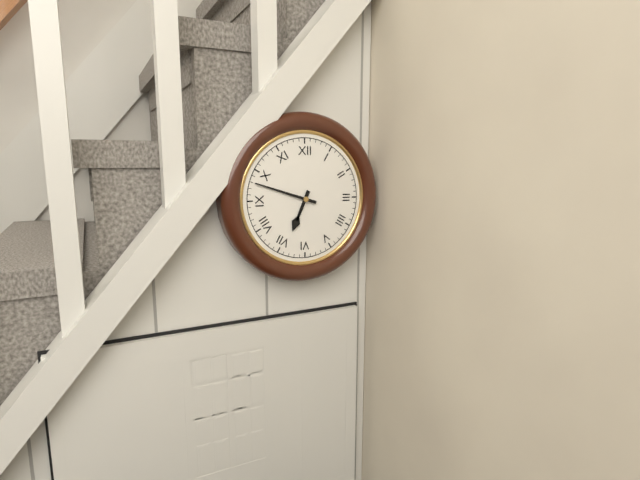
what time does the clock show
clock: 6:48
